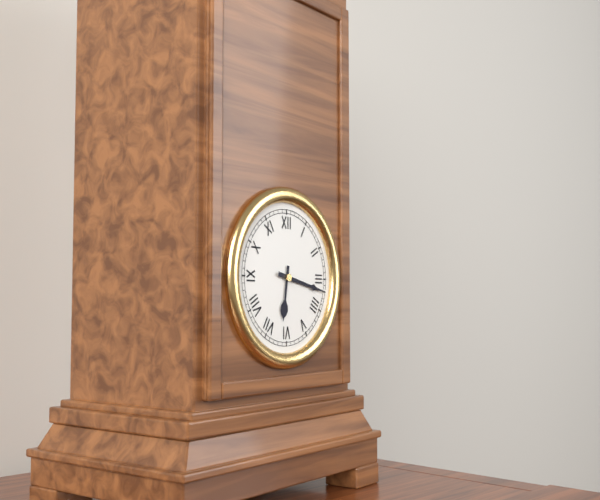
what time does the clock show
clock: 6:17
